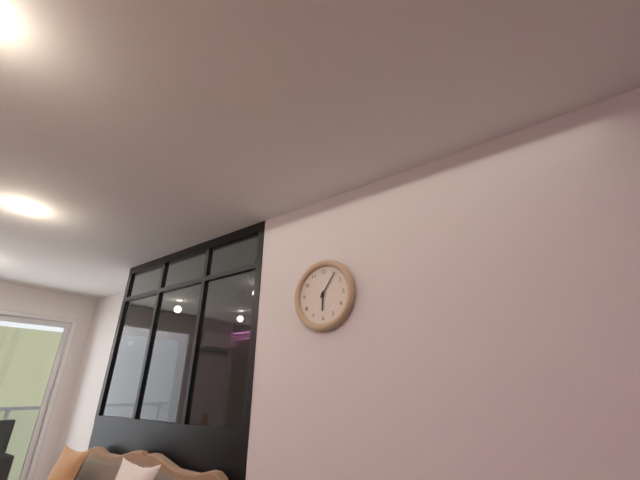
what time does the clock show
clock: 6:06
